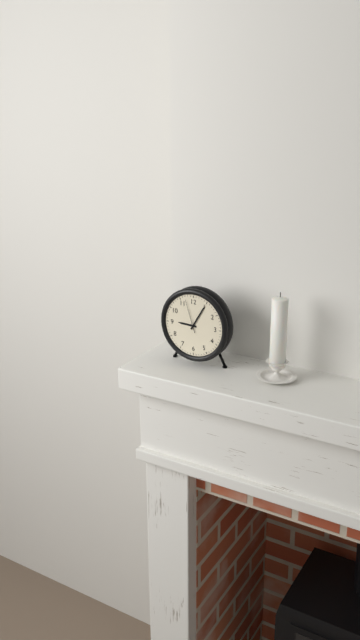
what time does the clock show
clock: 9:05
